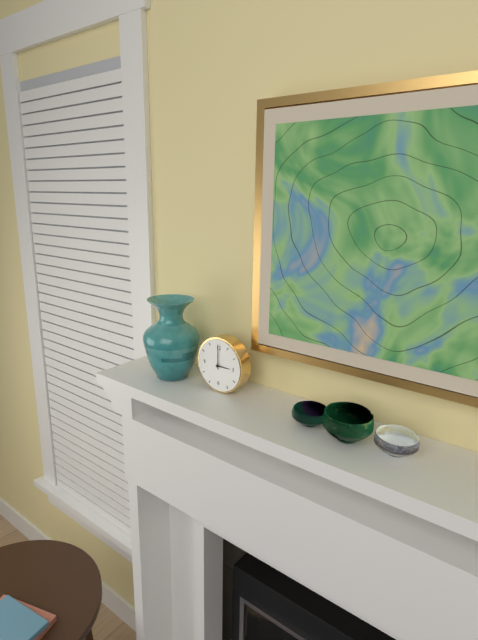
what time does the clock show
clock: 3:00
